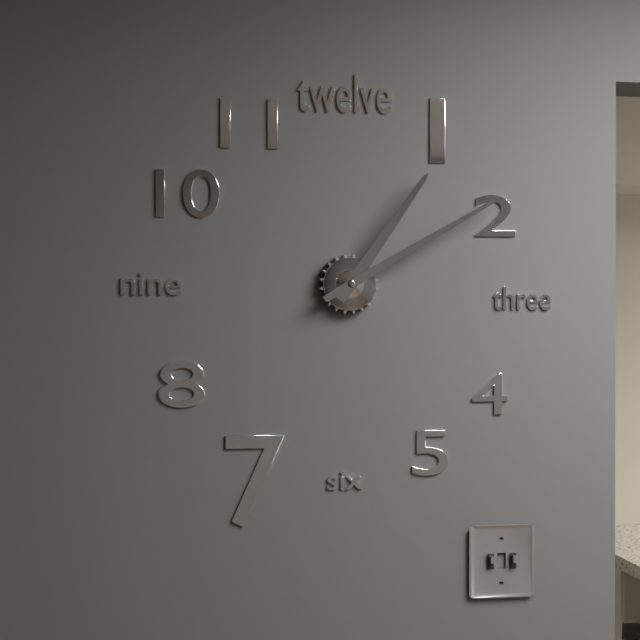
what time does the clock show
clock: 1:10
